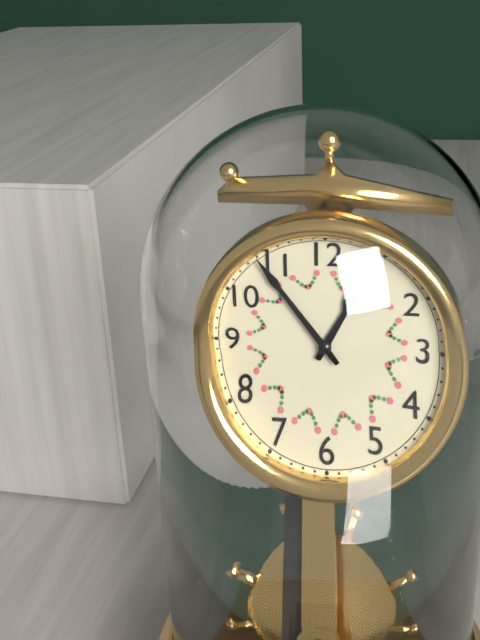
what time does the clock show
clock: 12:54
